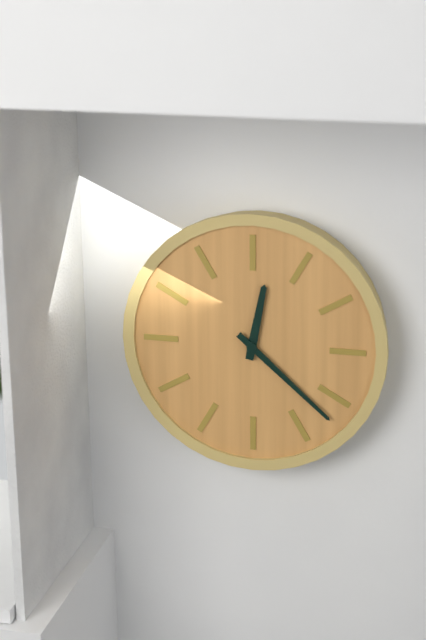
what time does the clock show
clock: 12:22
